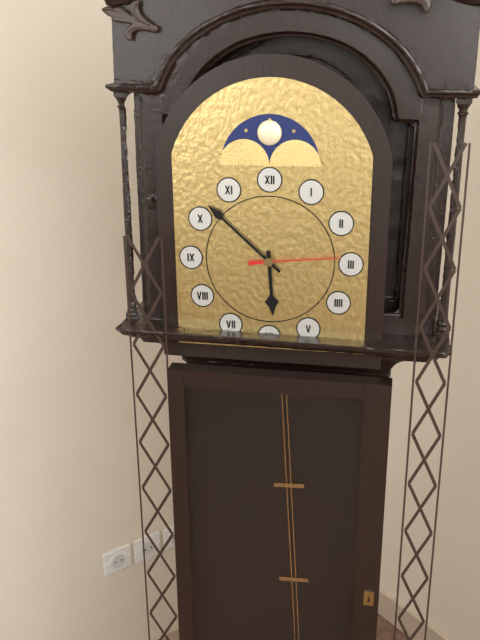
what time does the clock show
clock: 5:52:14
